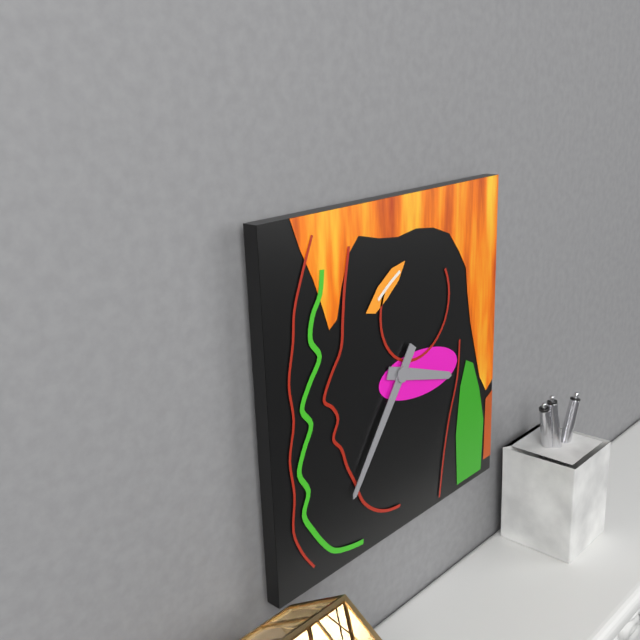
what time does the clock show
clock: 3:36
